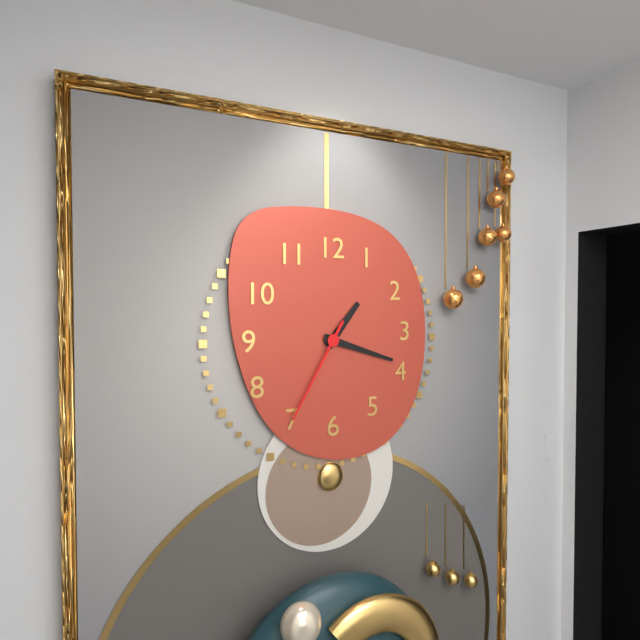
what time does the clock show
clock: 1:18:35
